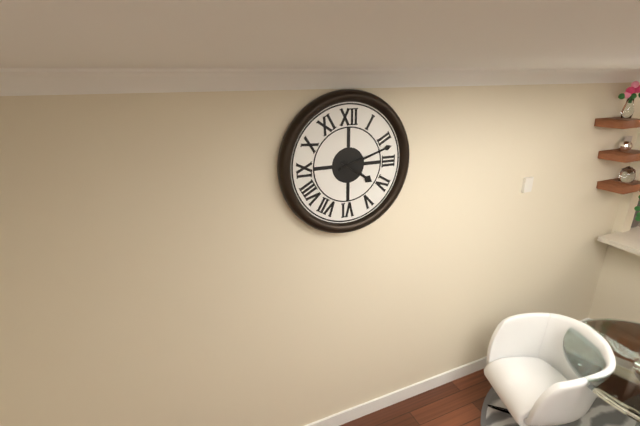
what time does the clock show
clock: 4:12
